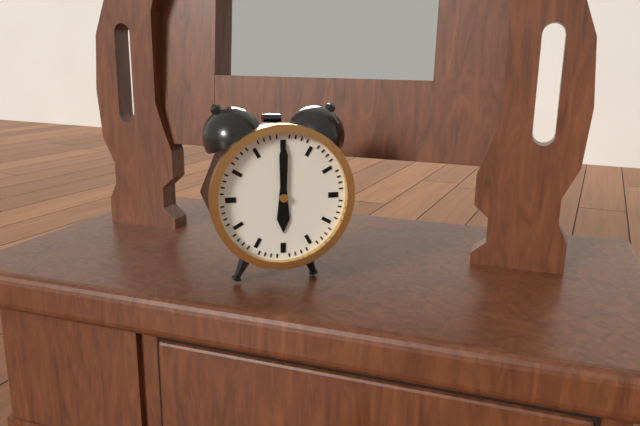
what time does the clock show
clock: 6:00
